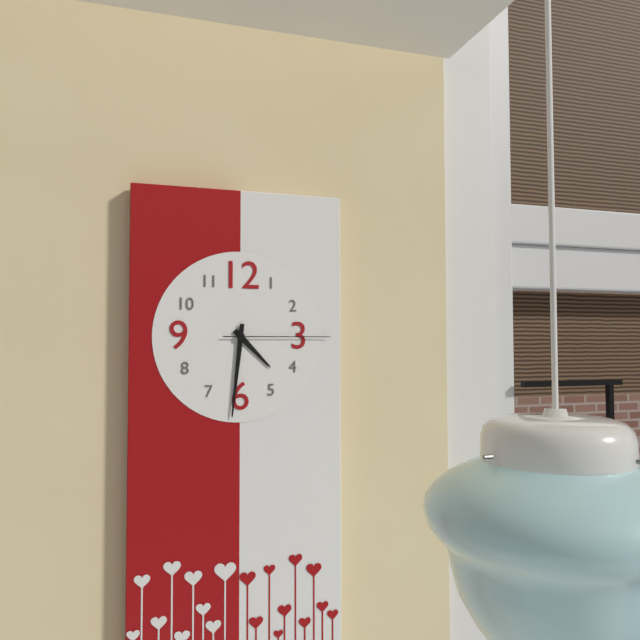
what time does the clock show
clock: 4:31:15
